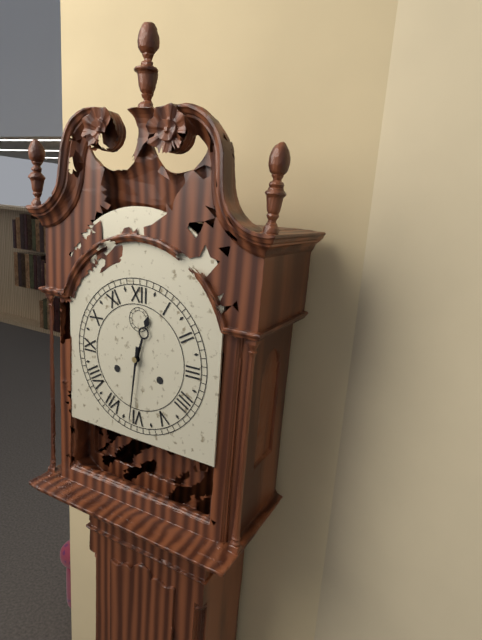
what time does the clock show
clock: 12:31
